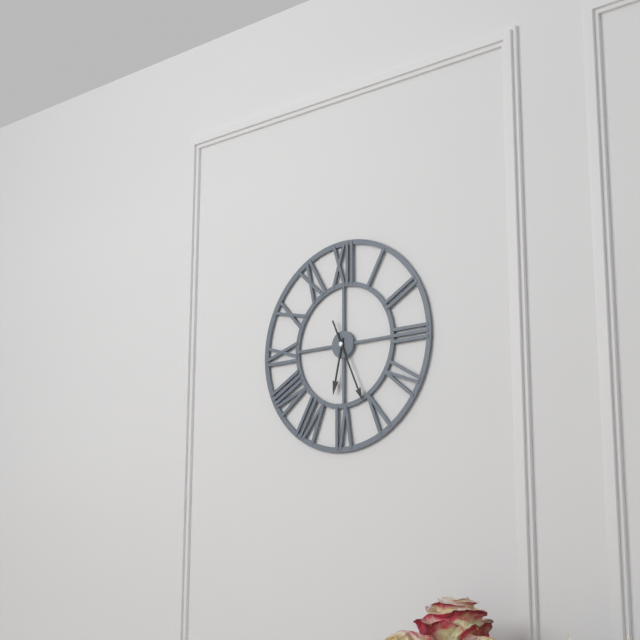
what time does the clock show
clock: 6:26
